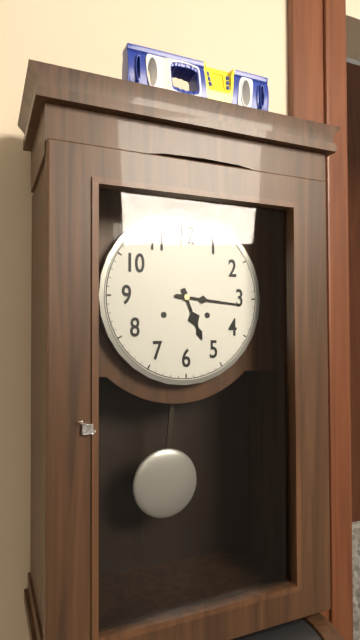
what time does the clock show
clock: 5:16
